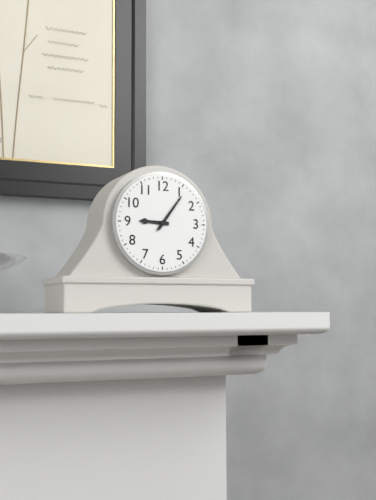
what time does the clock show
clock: 9:06
